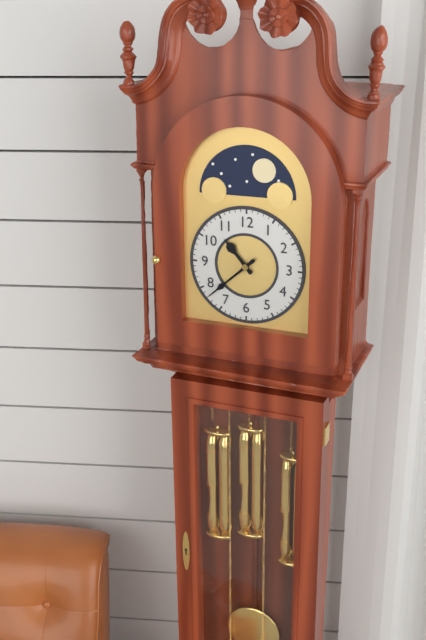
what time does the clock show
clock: 10:38
